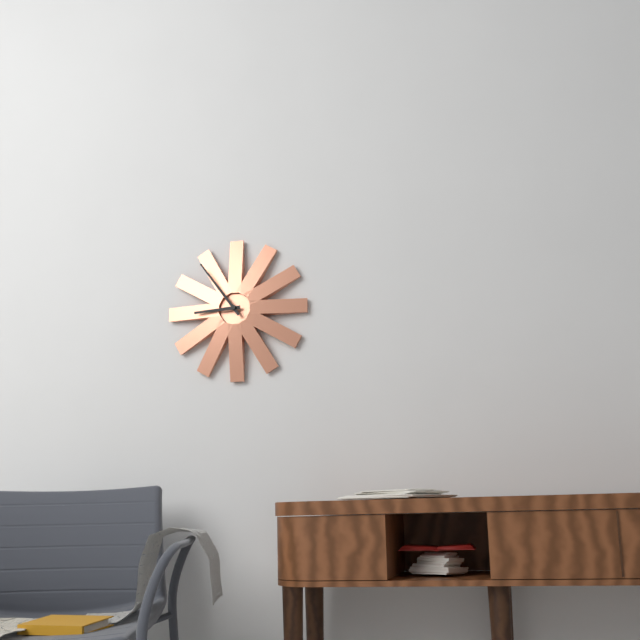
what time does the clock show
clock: 8:54
